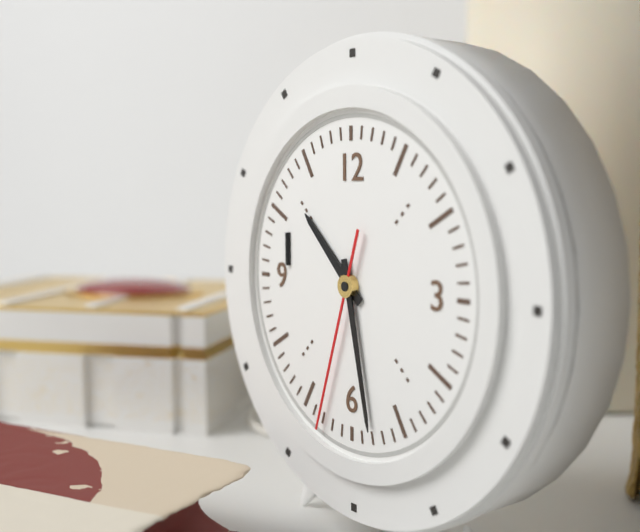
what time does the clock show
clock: 10:28:33
